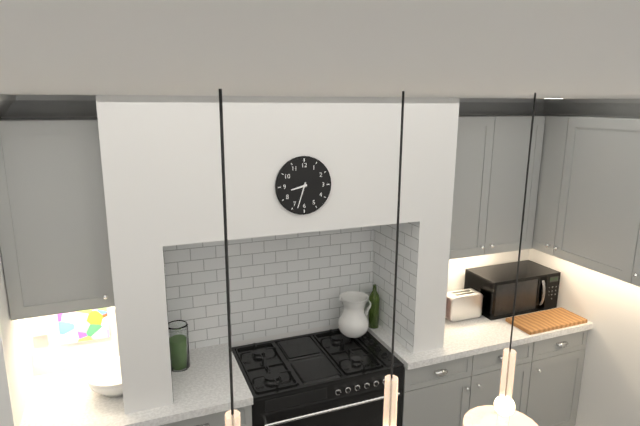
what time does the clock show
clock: 8:33
